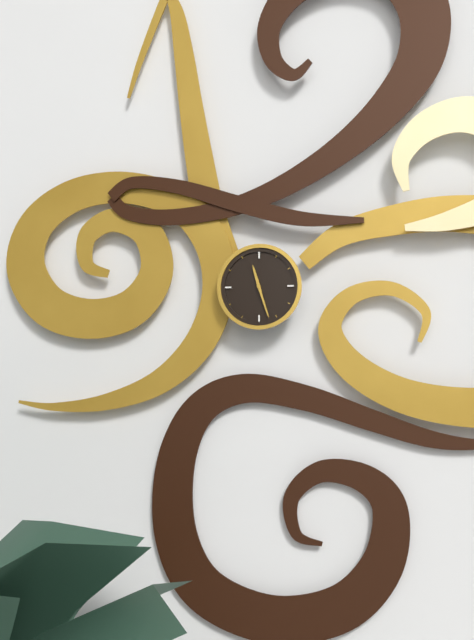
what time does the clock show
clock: 11:27
